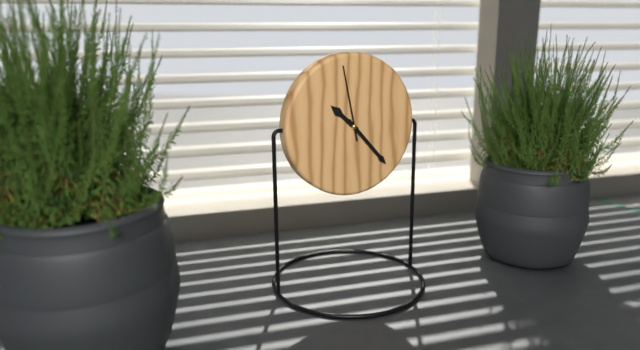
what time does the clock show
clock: 10:23:58
